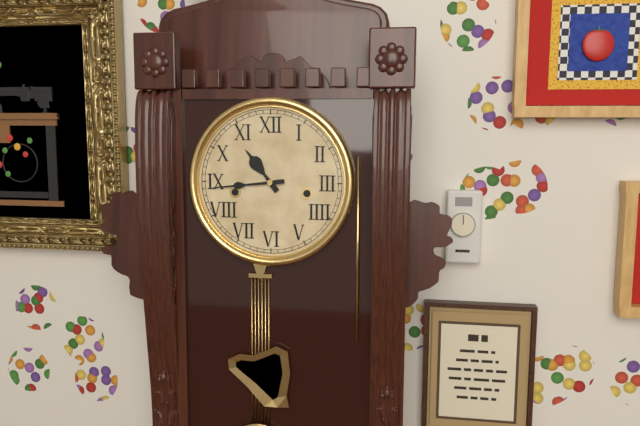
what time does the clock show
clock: 10:44
